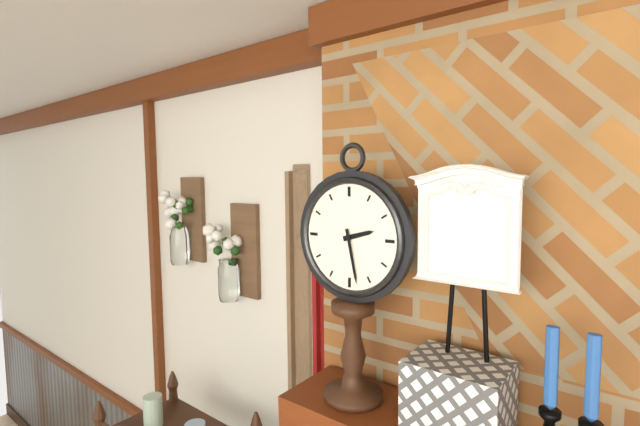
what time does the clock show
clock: 2:28
